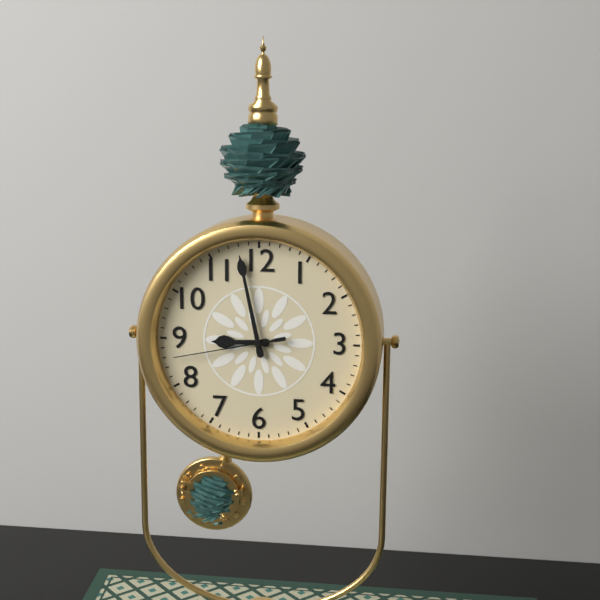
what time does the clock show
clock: 8:58:43
